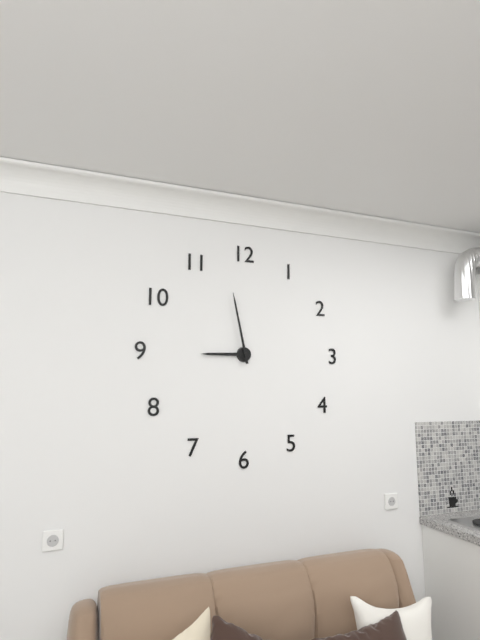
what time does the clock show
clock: 8:58
